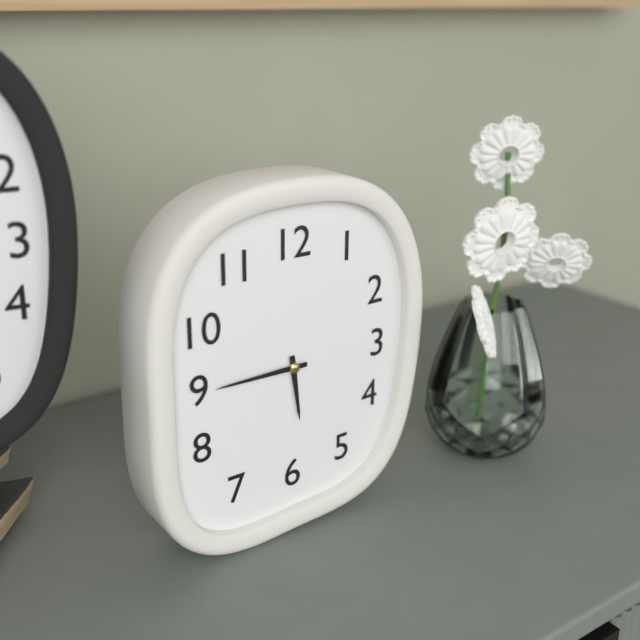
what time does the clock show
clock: 5:45
